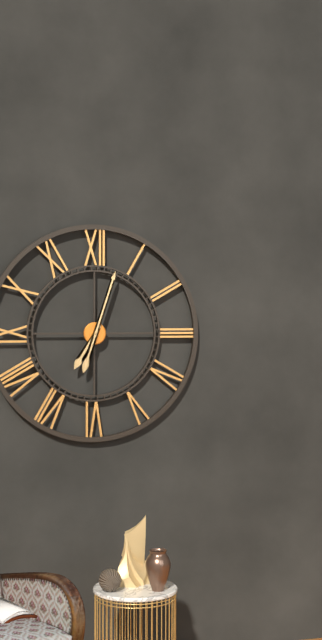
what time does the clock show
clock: 7:03
